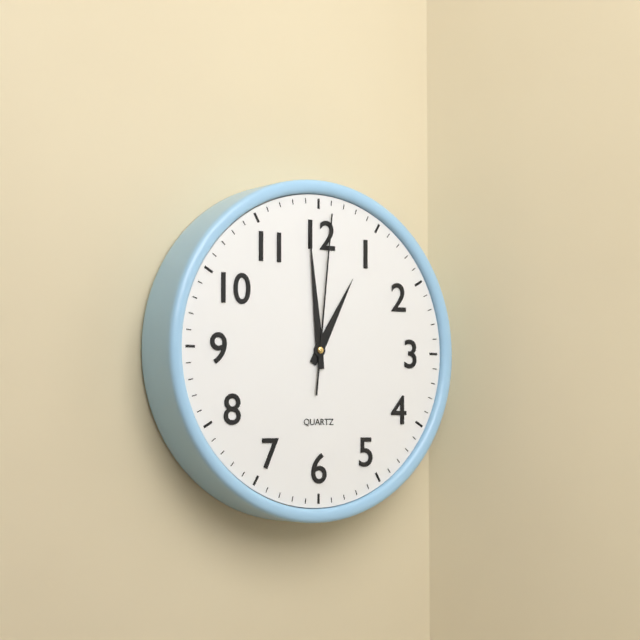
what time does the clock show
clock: 12:59:01
